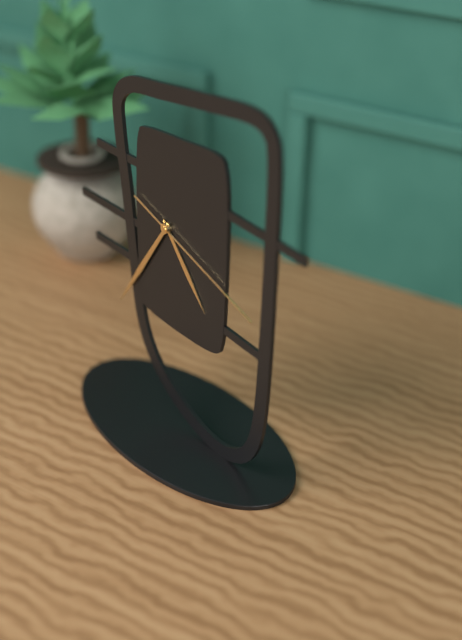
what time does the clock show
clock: 4:36:18
